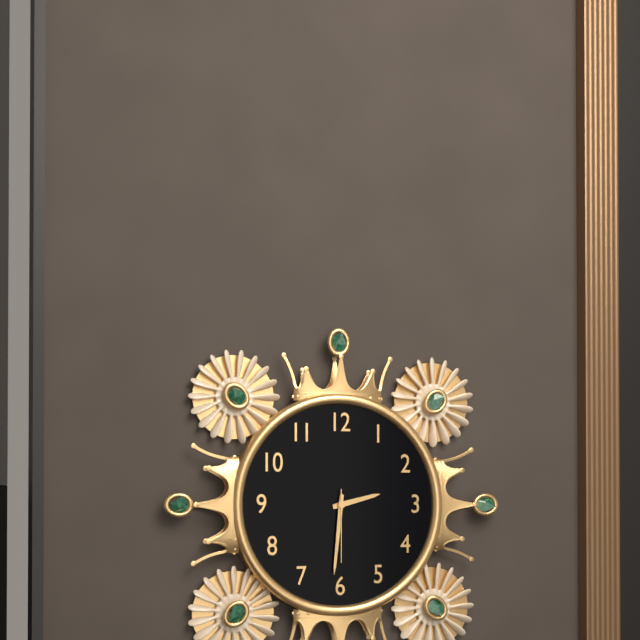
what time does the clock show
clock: 2:31:30
